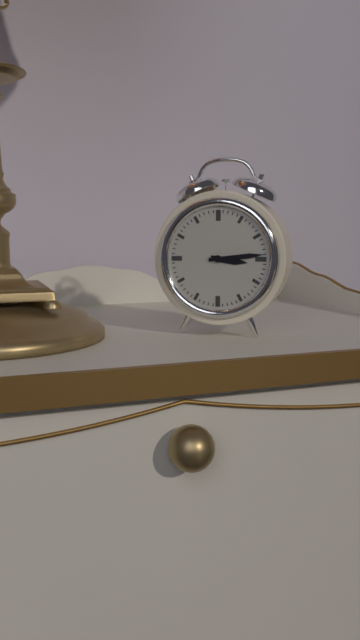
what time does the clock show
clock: 3:14
